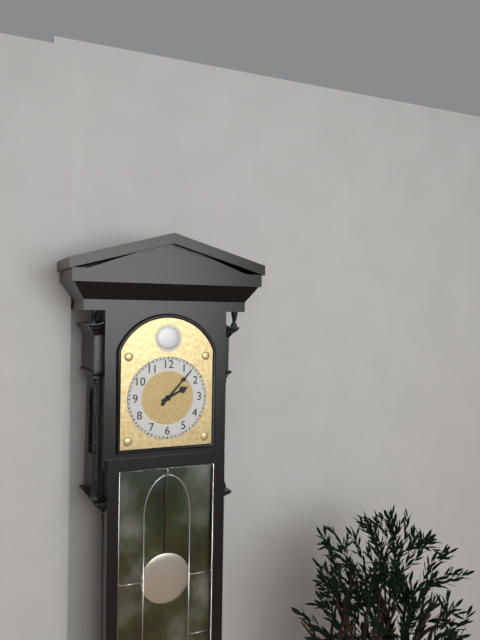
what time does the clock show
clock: 2:07
